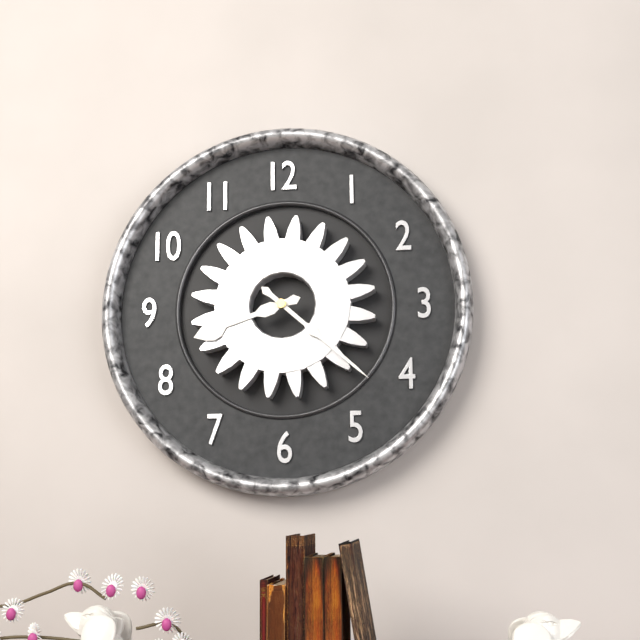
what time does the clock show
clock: 8:22
